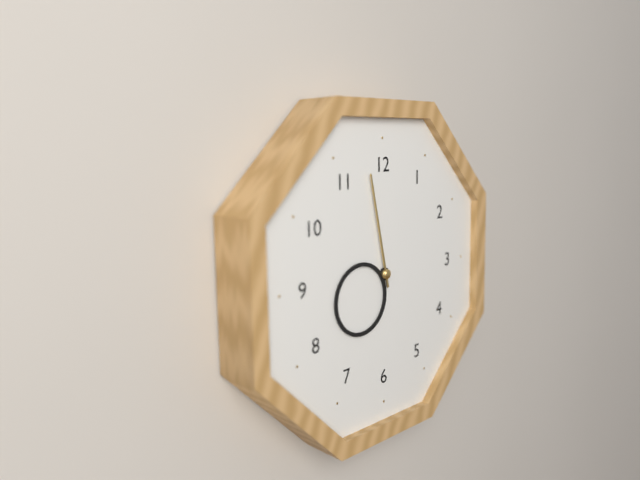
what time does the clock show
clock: 7:58
